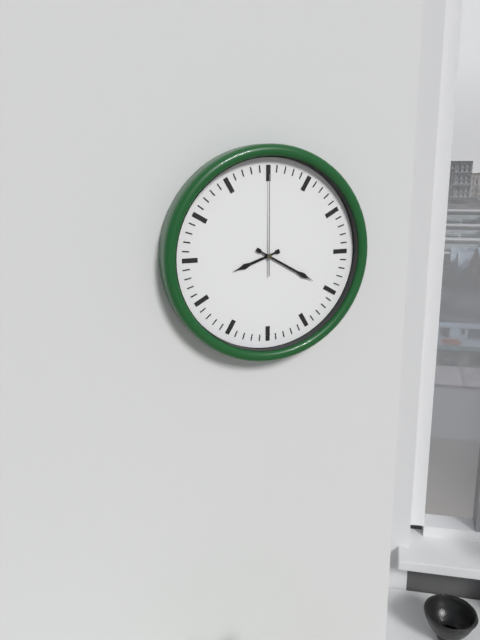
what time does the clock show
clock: 8:20:00
